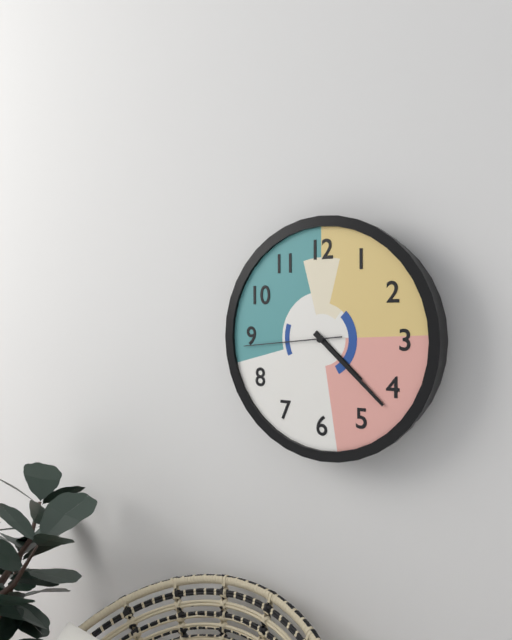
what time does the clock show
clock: 4:22:44
